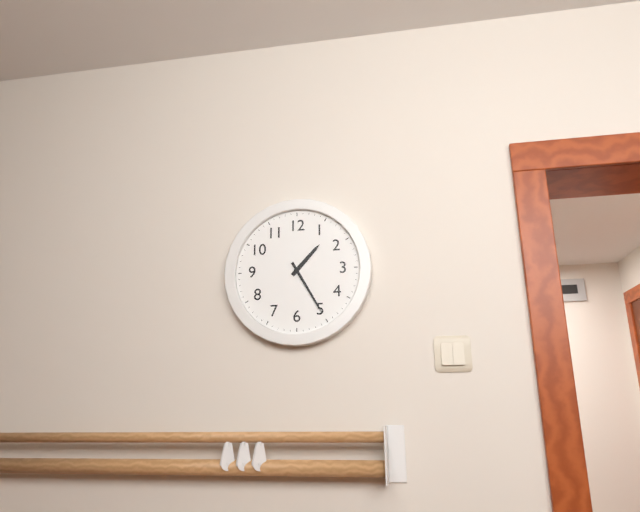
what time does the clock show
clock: 1:25
